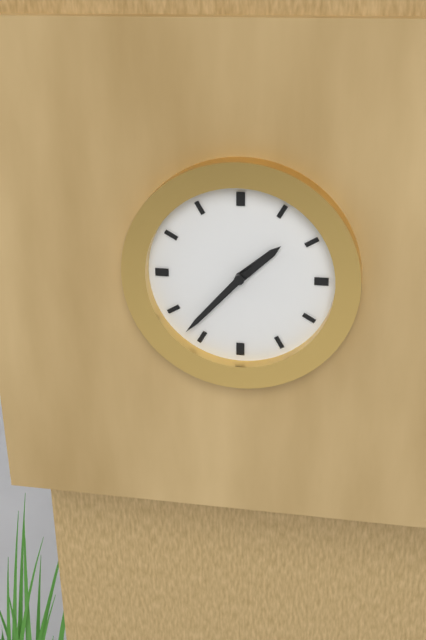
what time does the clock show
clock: 1:37
